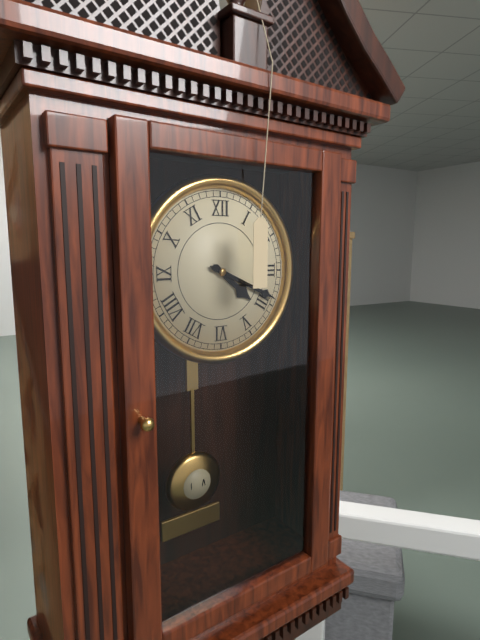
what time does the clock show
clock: 4:19
